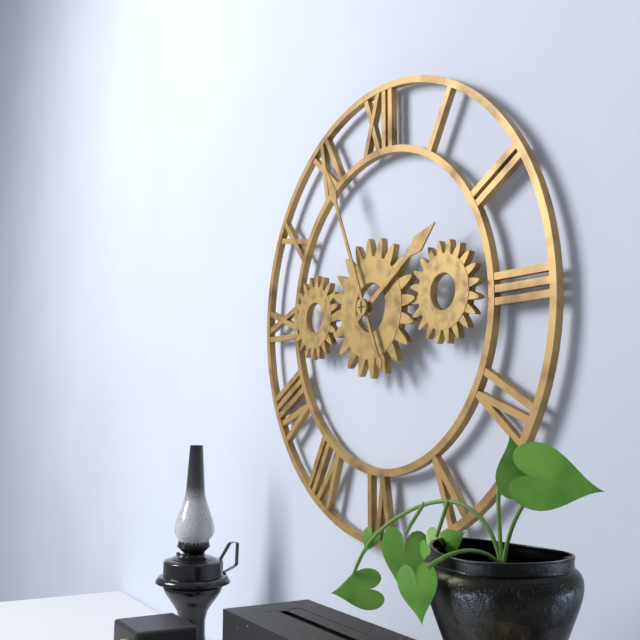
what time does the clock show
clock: 1:56
